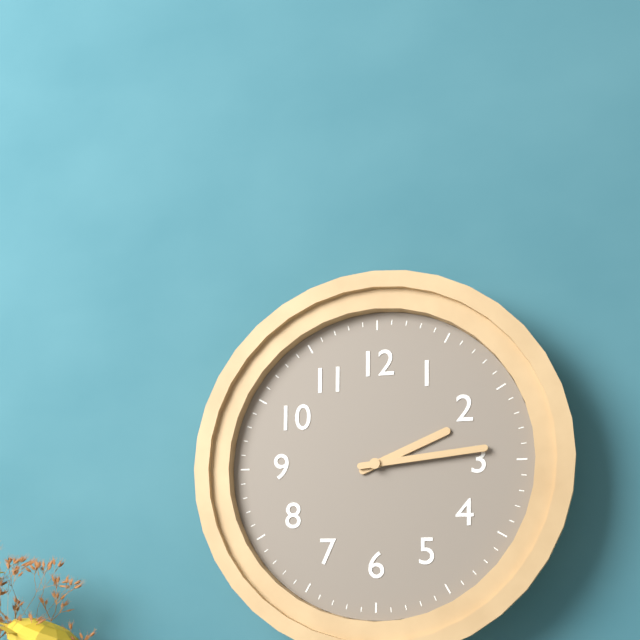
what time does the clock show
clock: 2:14
